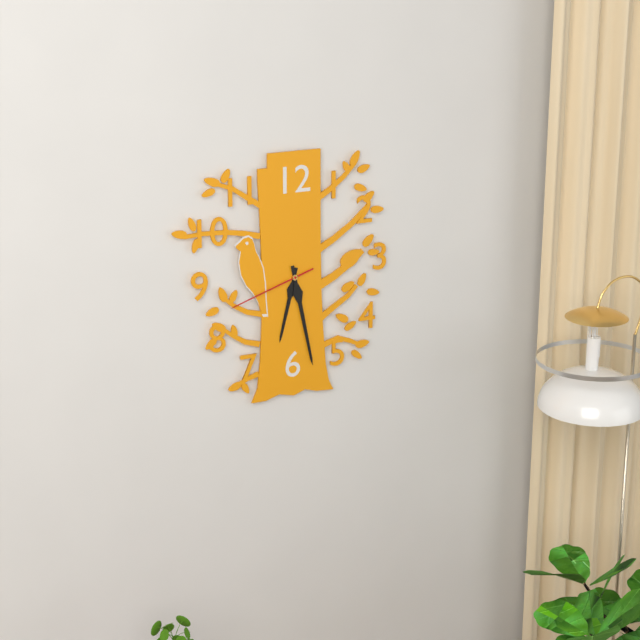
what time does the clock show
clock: 6:28:42
